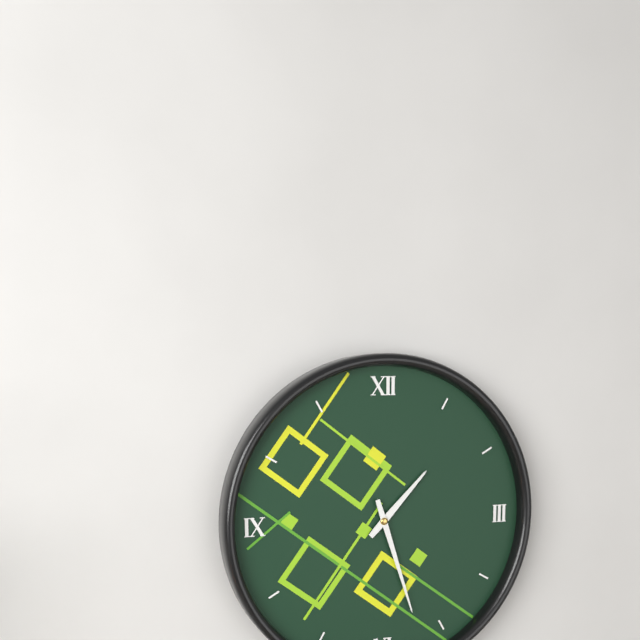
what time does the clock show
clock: 1:27
